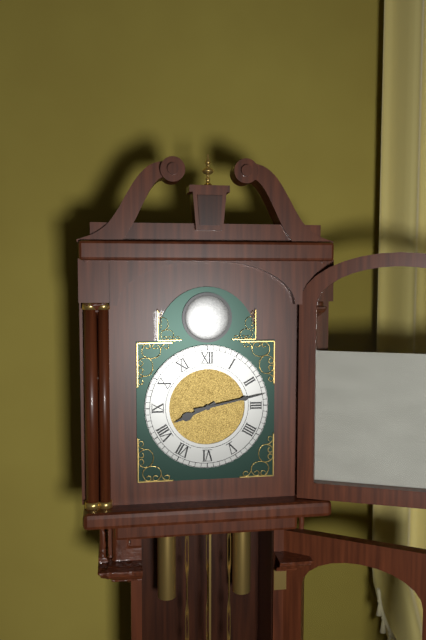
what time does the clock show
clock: 8:13
